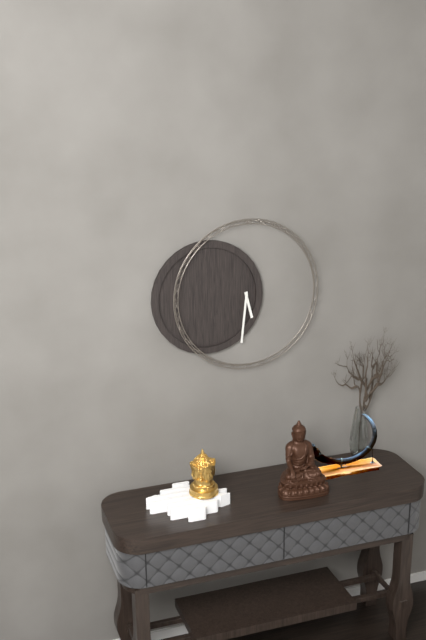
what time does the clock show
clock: 5:31
